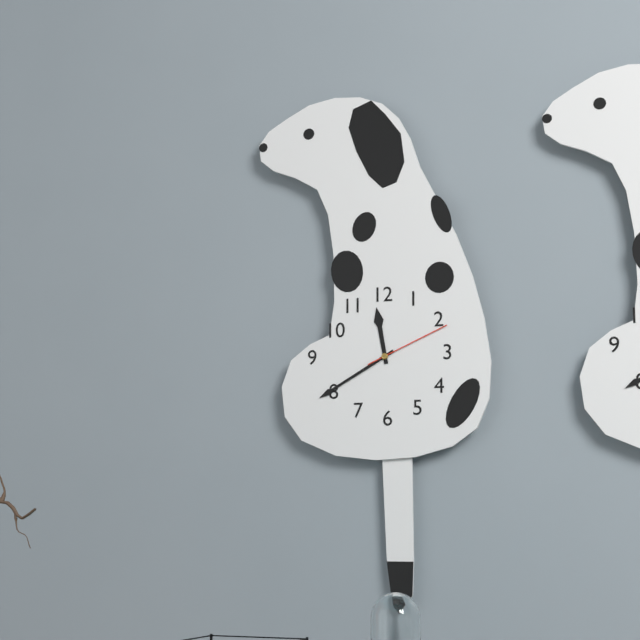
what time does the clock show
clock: 11:40:11
